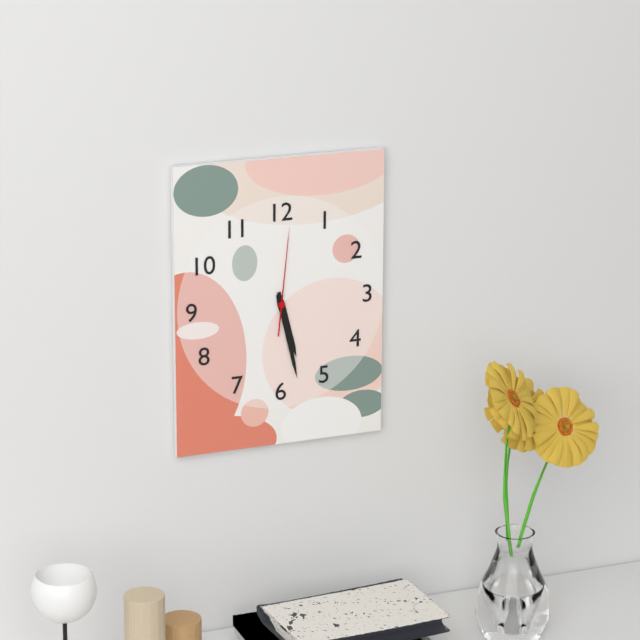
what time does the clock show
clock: 5:28:01
